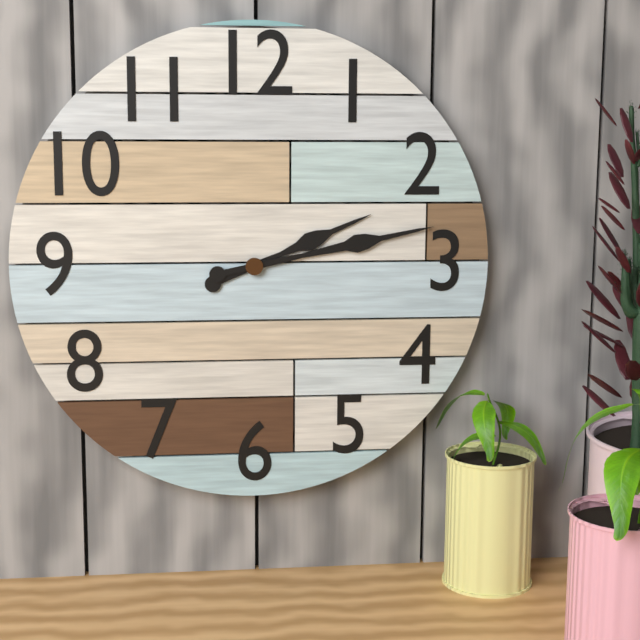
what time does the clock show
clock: 2:13
